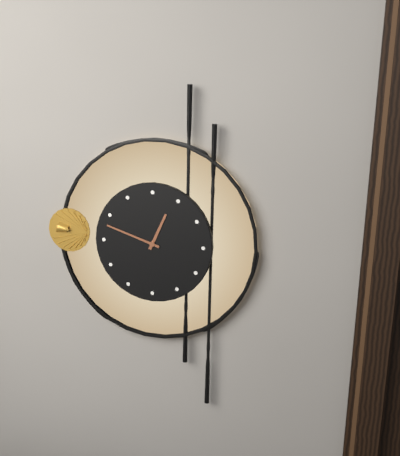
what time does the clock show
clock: 12:48
